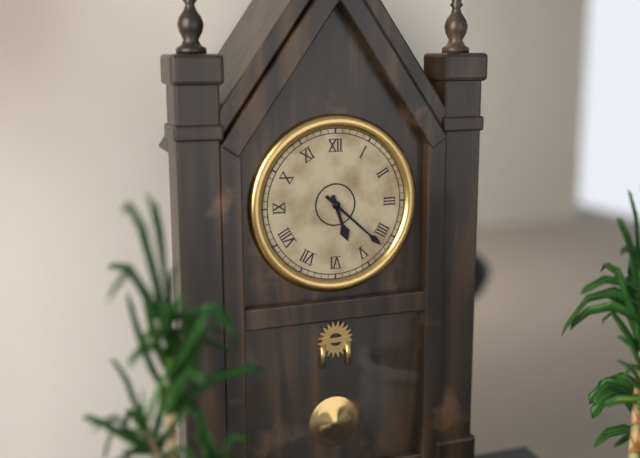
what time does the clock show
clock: 5:22
